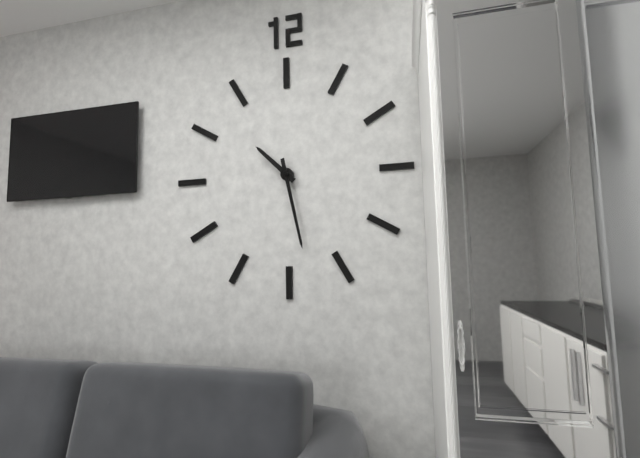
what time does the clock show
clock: 10:28
